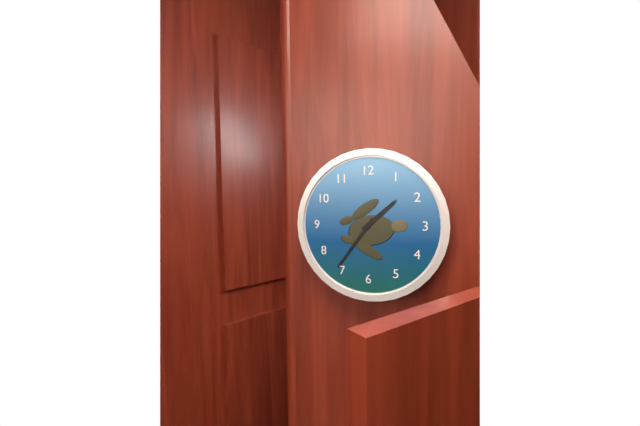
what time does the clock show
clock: 1:36
